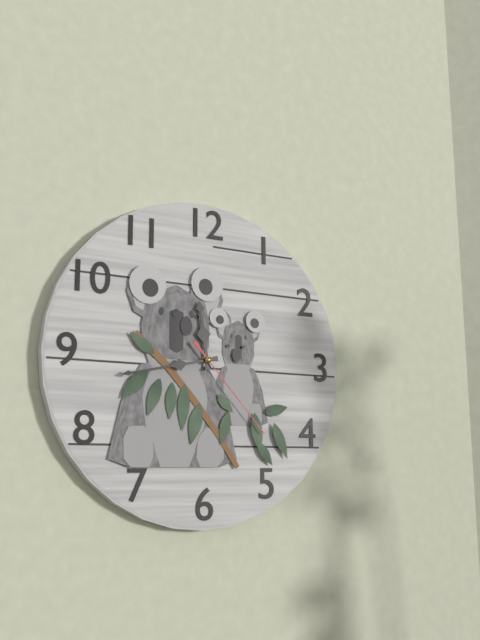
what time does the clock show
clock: 11:43:23
